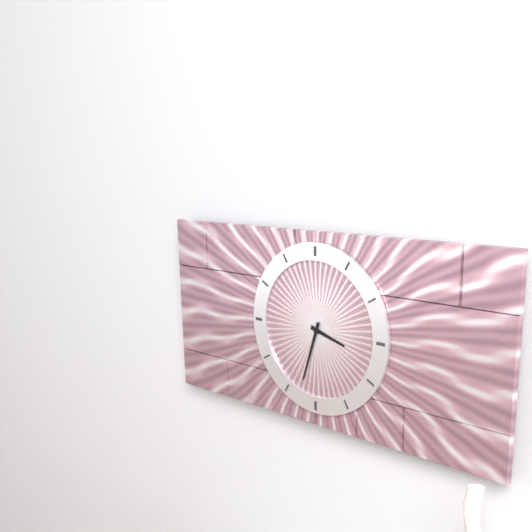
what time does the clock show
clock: 3:33
